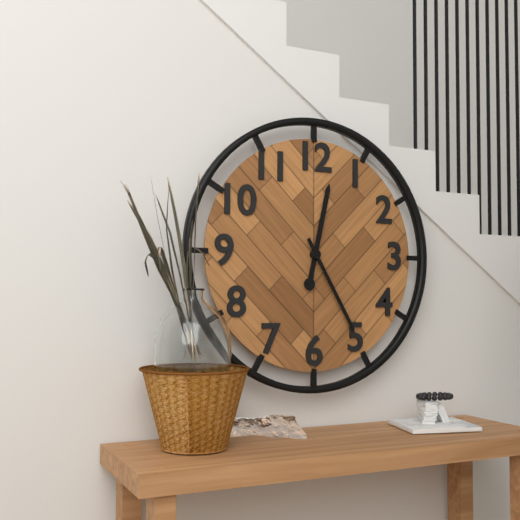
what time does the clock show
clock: 12:25
